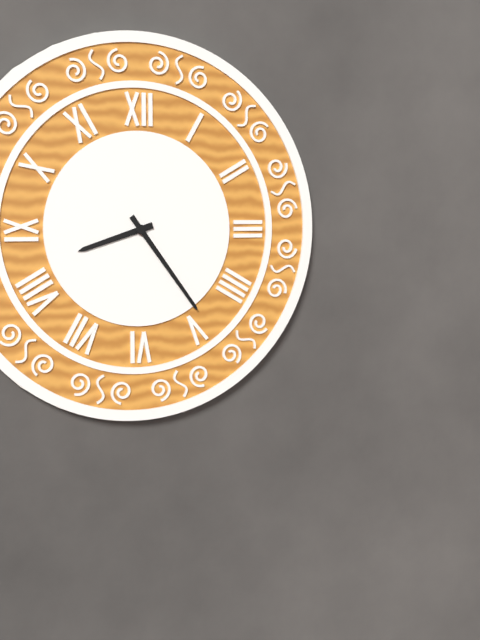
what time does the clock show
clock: 8:24
